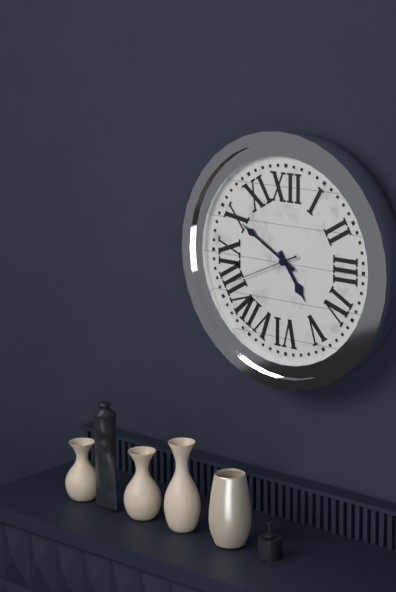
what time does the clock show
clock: 4:50:41
